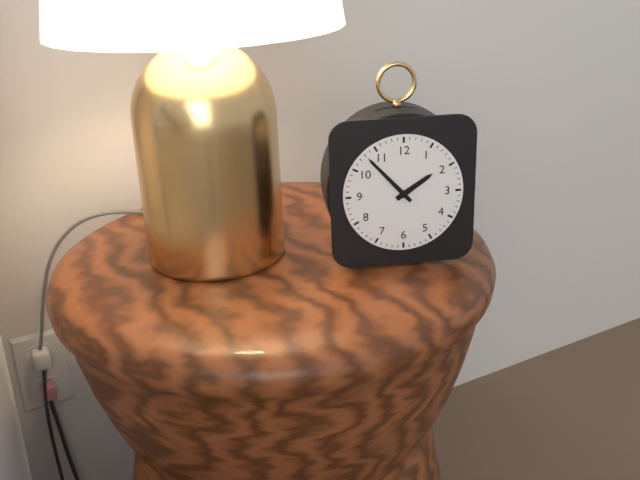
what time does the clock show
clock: 1:53
